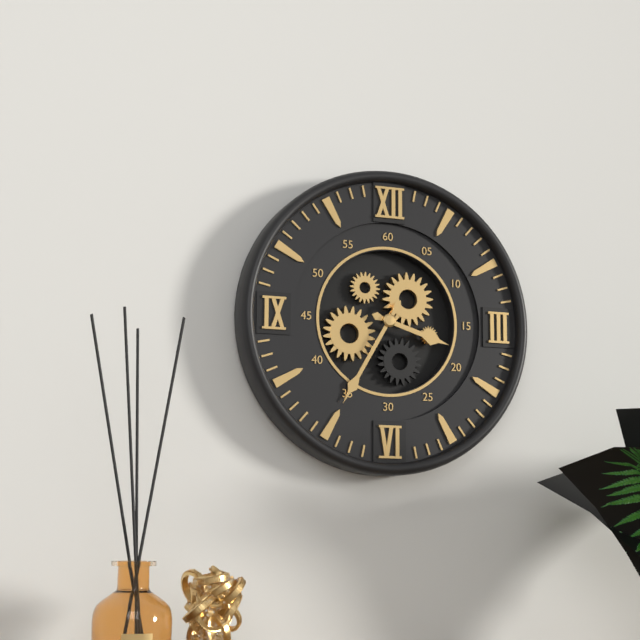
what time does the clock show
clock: 3:35
